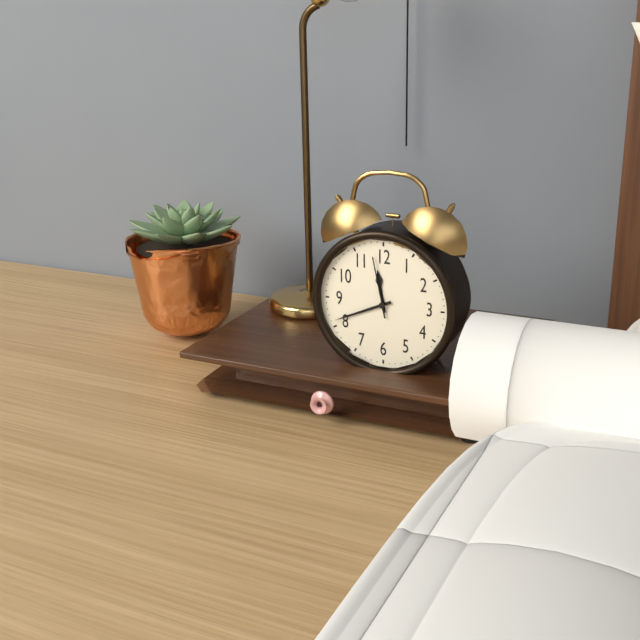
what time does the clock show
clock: 11:41:58
